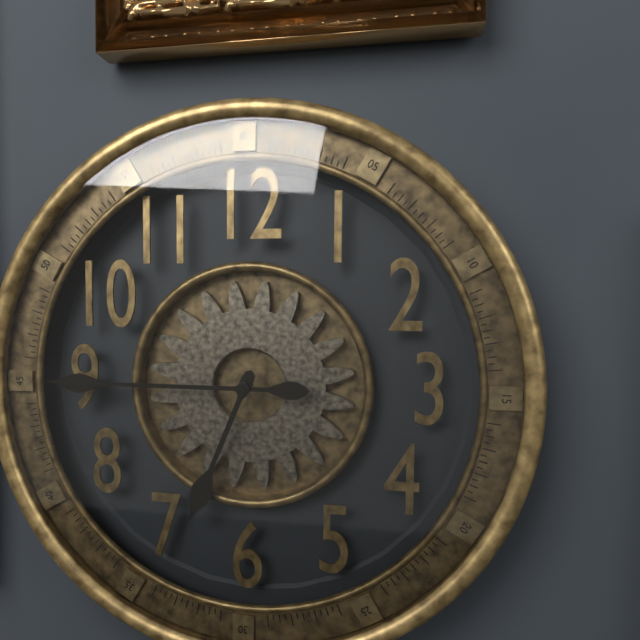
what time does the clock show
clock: 6:45
